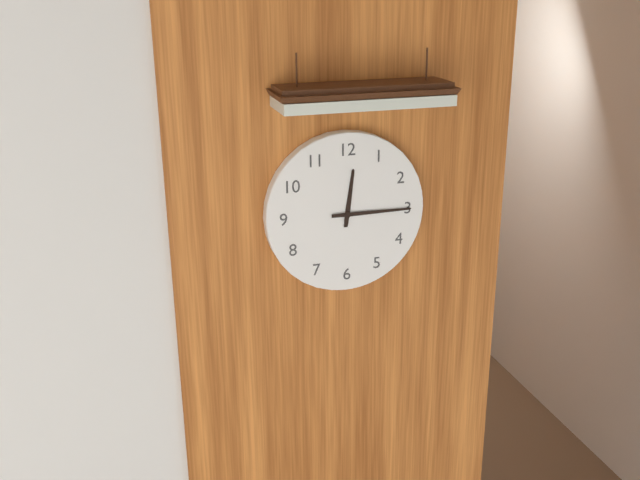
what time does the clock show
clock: 12:15
